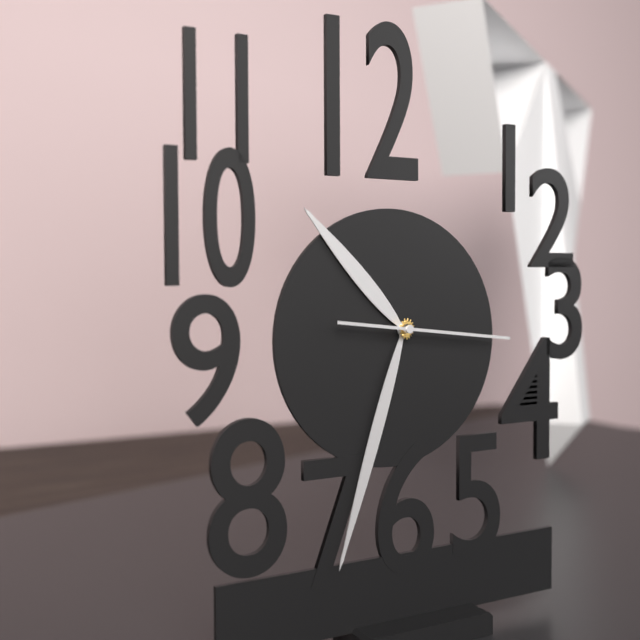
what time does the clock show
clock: 10:33:16
